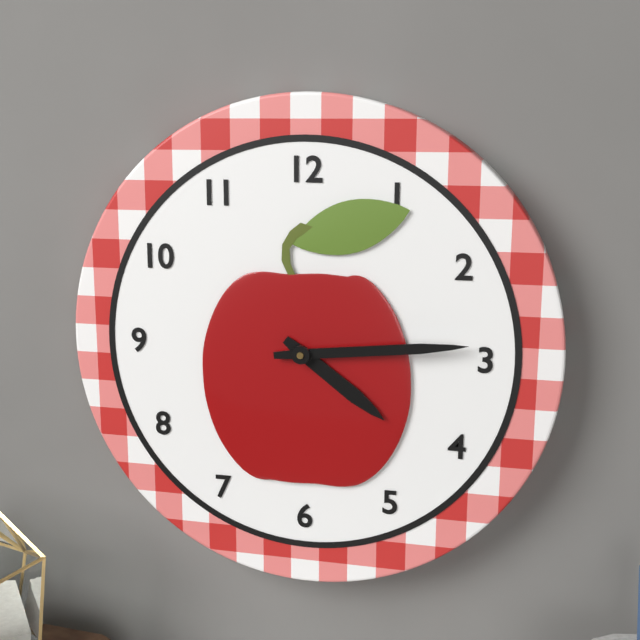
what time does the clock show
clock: 4:14
